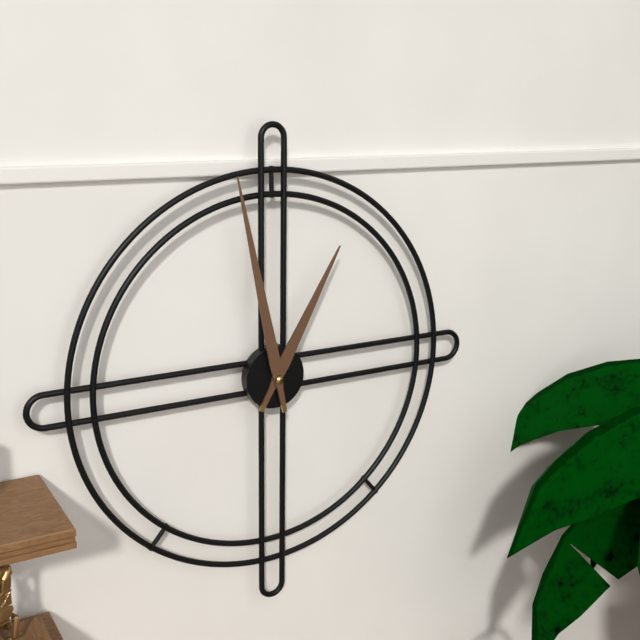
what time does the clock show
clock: 12:58
